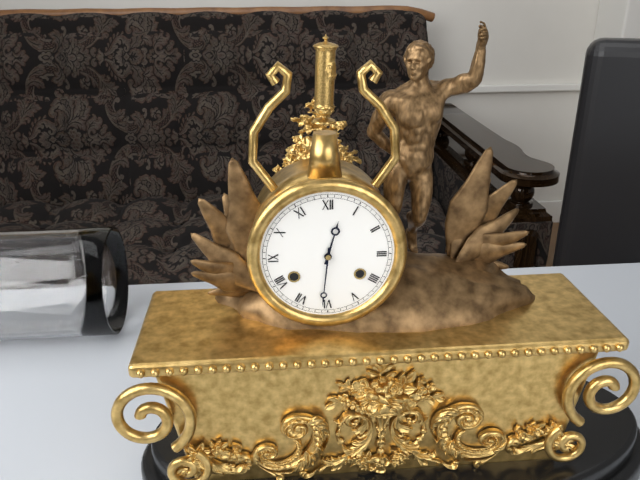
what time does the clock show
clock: 12:31
